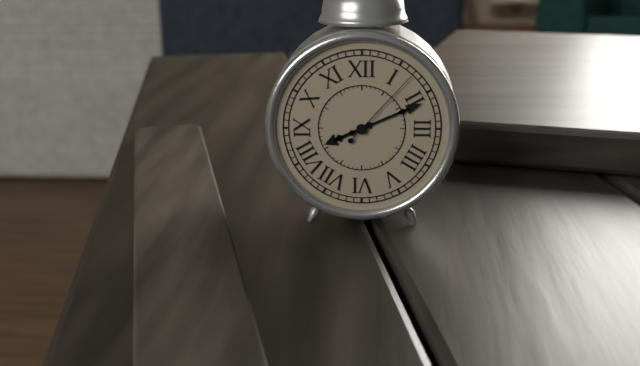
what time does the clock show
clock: 8:11:07
